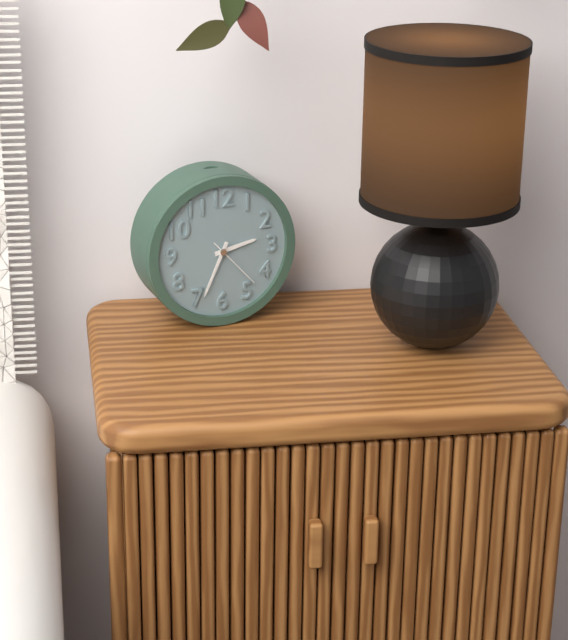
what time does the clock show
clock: 2:34:23
